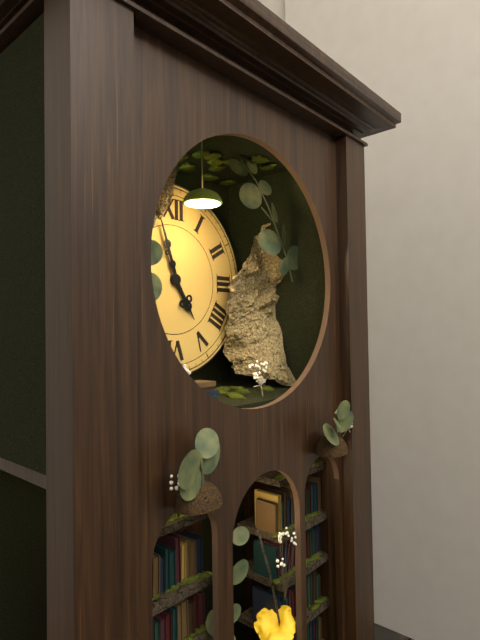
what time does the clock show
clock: 4:57
